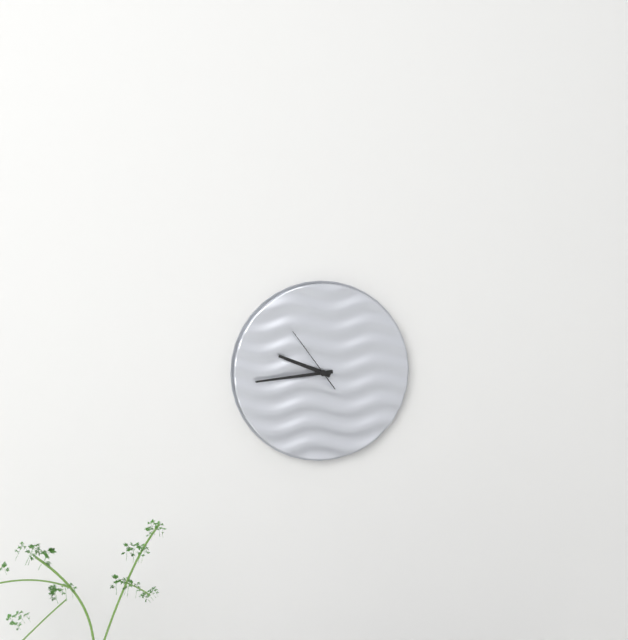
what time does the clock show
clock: 9:44:54
